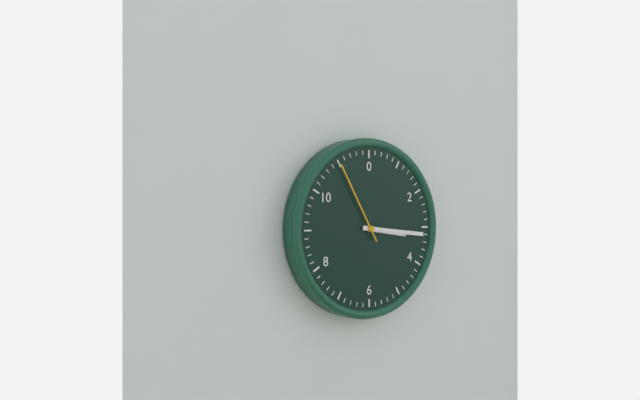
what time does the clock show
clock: 3:16:55
